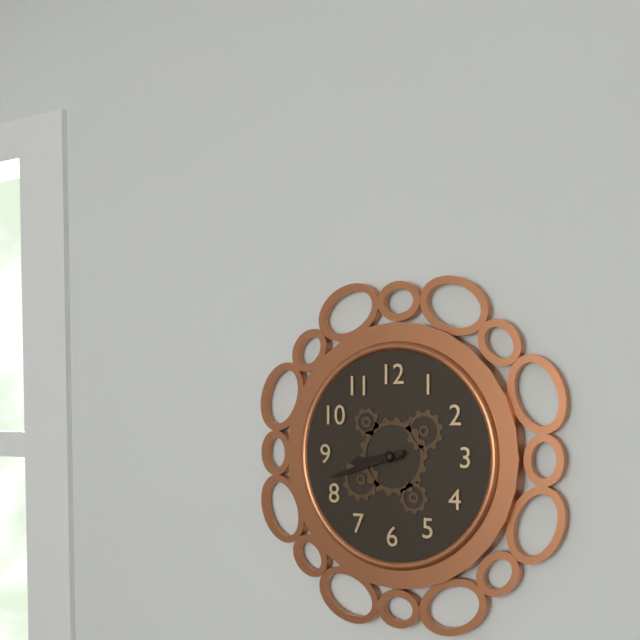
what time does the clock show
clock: 8:42
